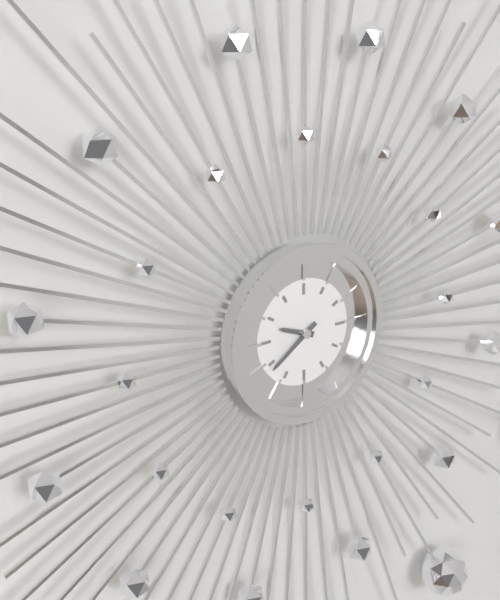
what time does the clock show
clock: 9:39
